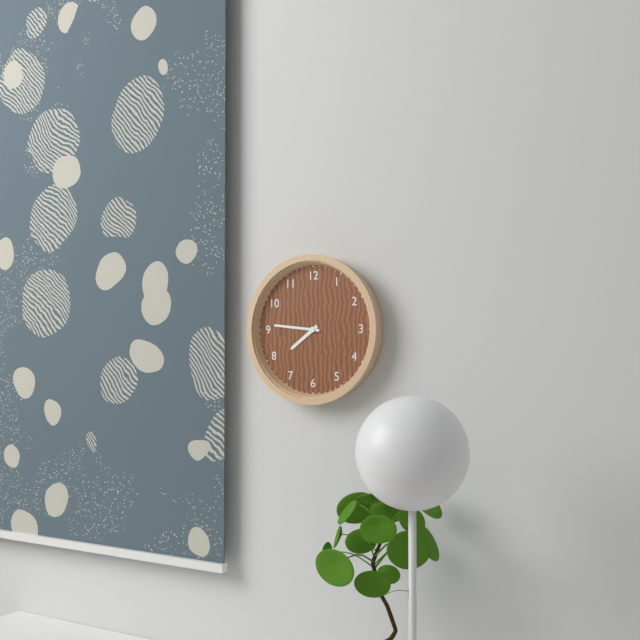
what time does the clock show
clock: 7:46
